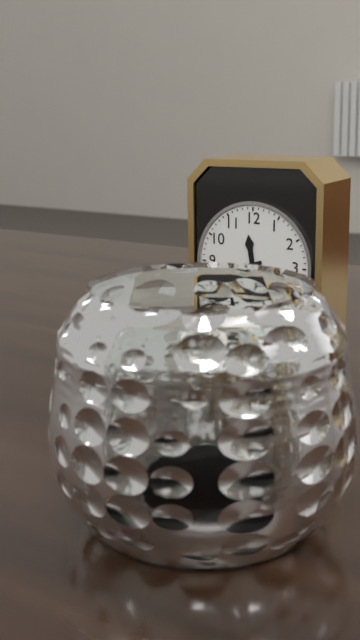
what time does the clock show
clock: 11:42
